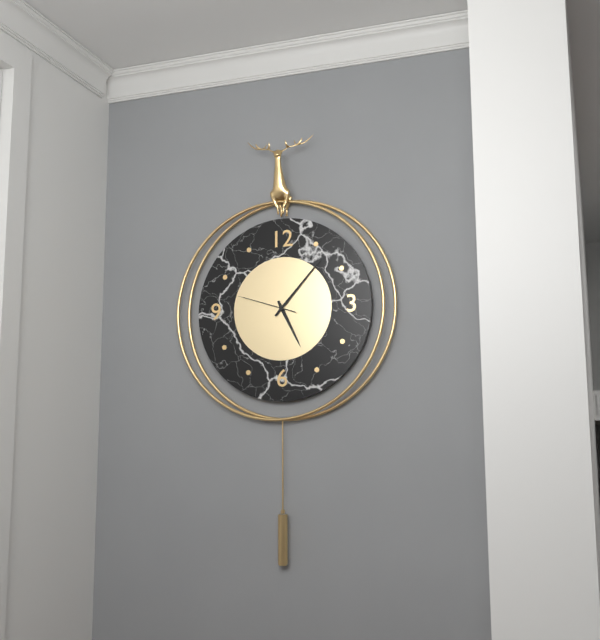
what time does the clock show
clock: 5:07:48
